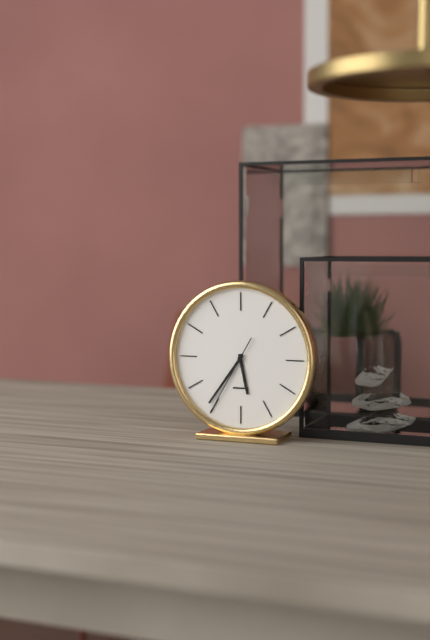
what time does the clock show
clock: 5:36:35
